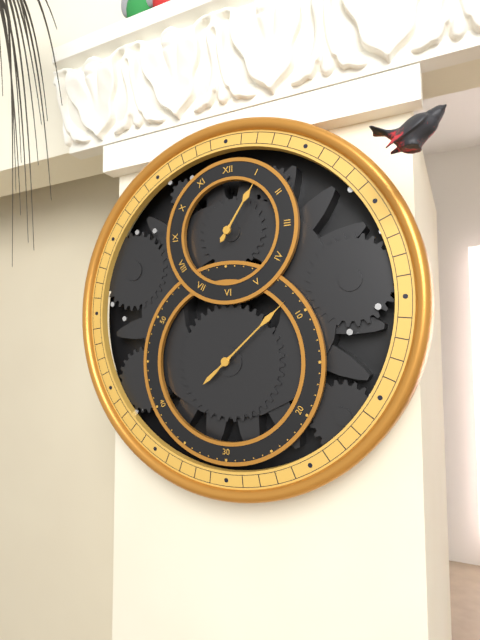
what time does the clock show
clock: 1:08
